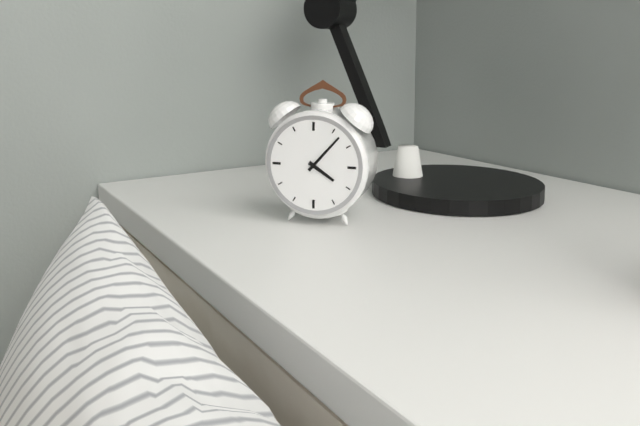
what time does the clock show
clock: 4:07
